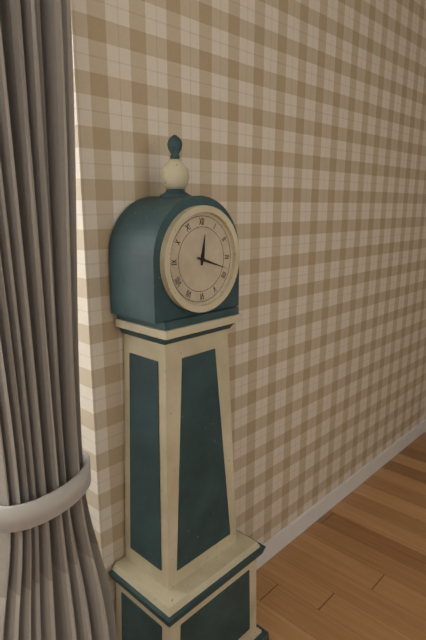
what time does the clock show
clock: 12:18
